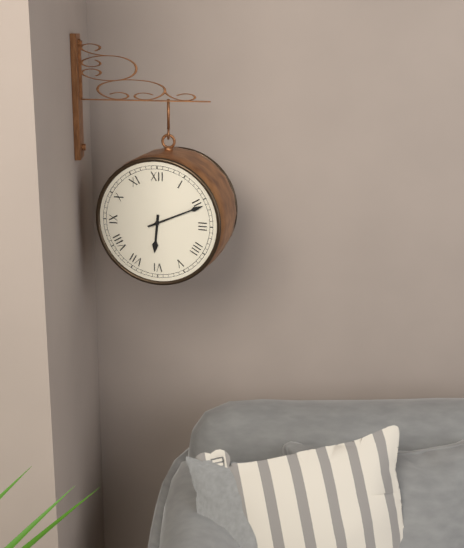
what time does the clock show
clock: 6:11
